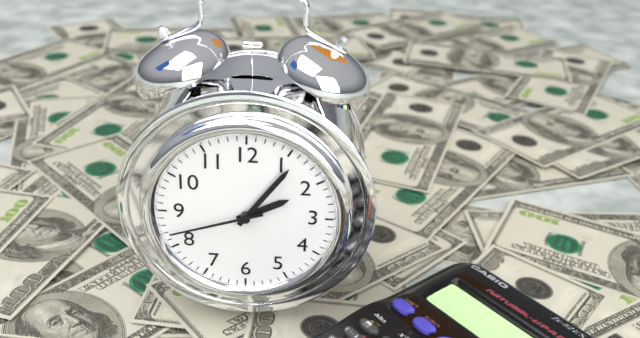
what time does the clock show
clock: 2:06:42
